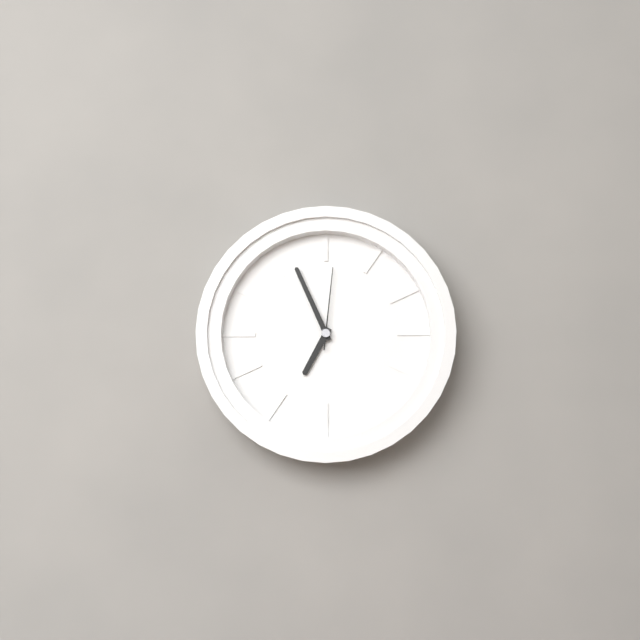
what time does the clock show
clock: 6:56:01
